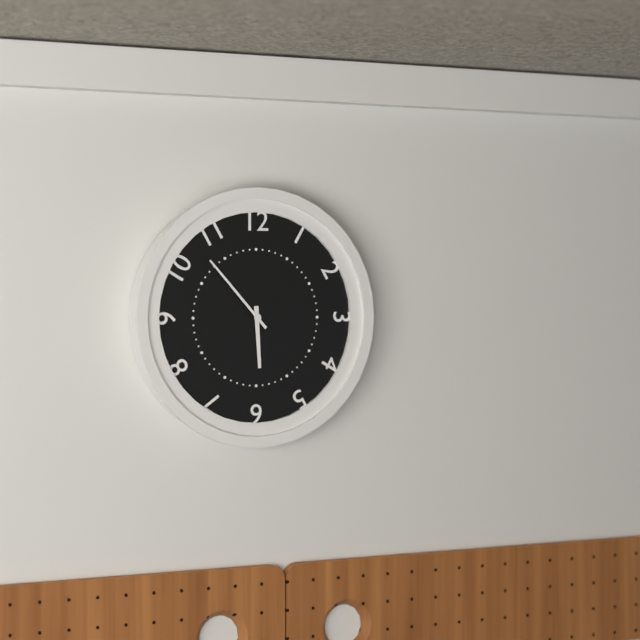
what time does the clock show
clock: 5:53
